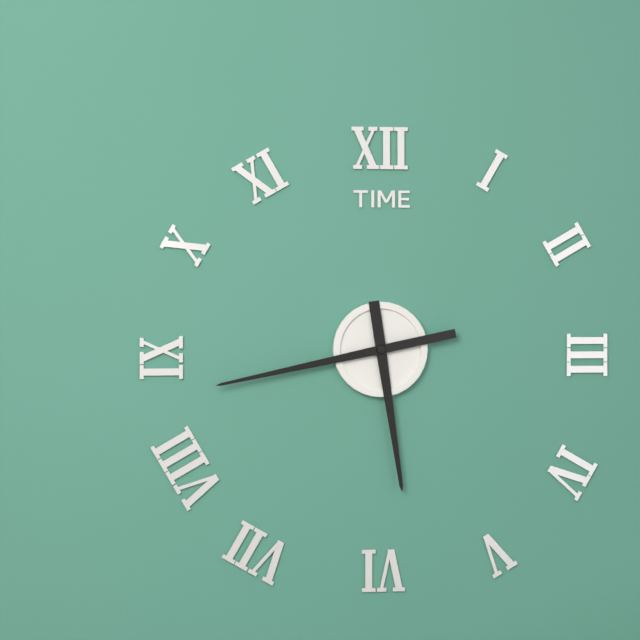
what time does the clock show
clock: 5:43
